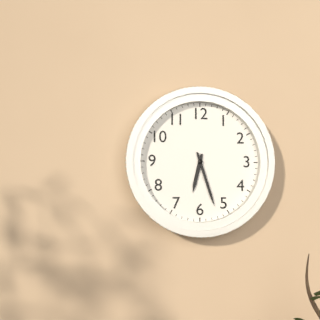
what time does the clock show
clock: 6:27
